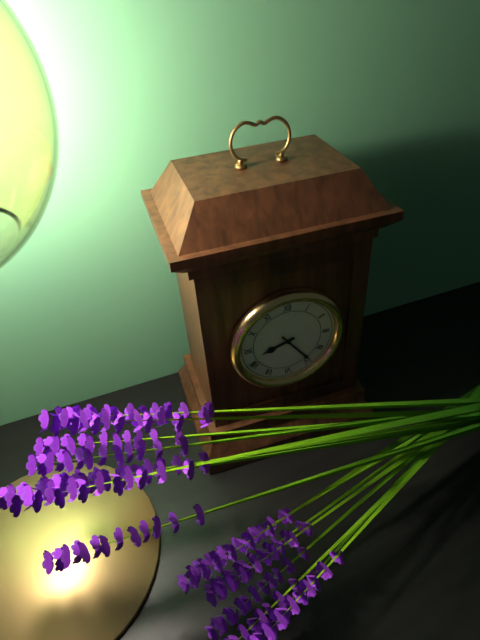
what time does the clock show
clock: 8:24
